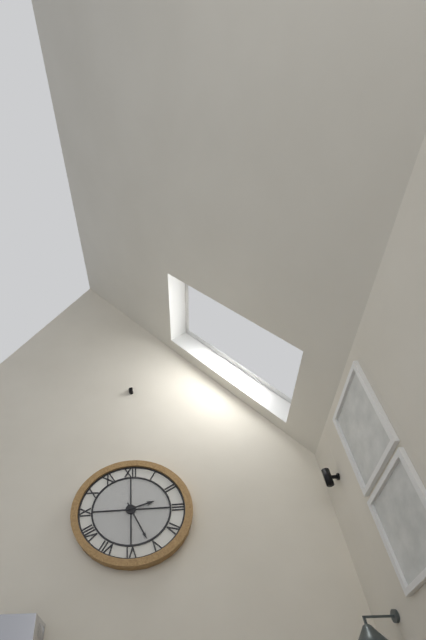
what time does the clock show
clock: 2:26
